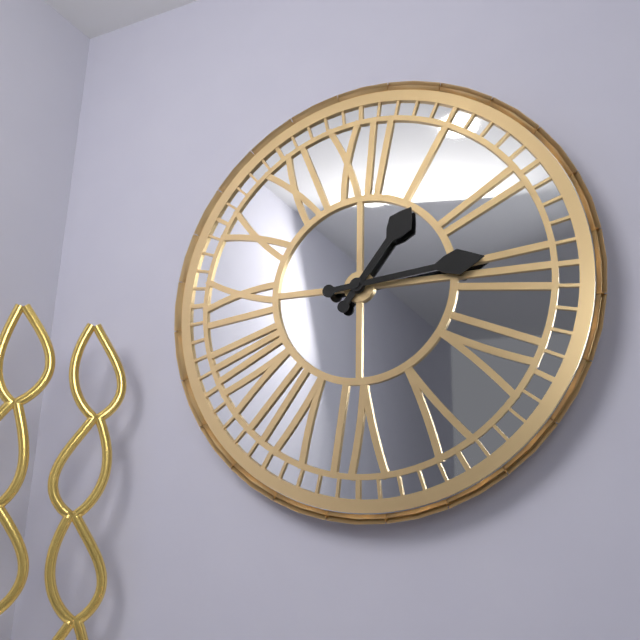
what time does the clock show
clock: 1:14
